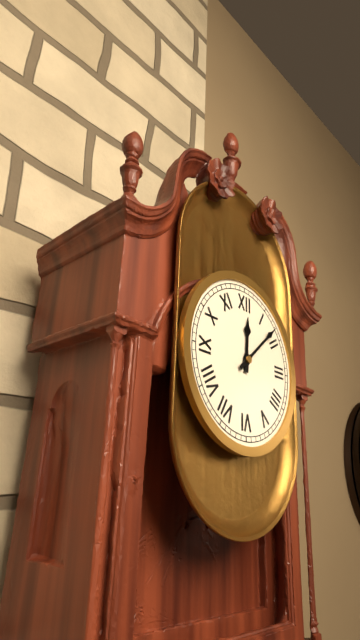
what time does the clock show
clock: 12:08
